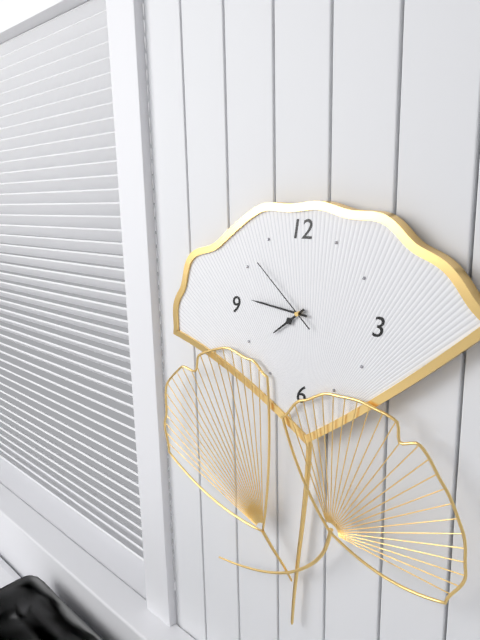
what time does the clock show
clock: 7:46:52
